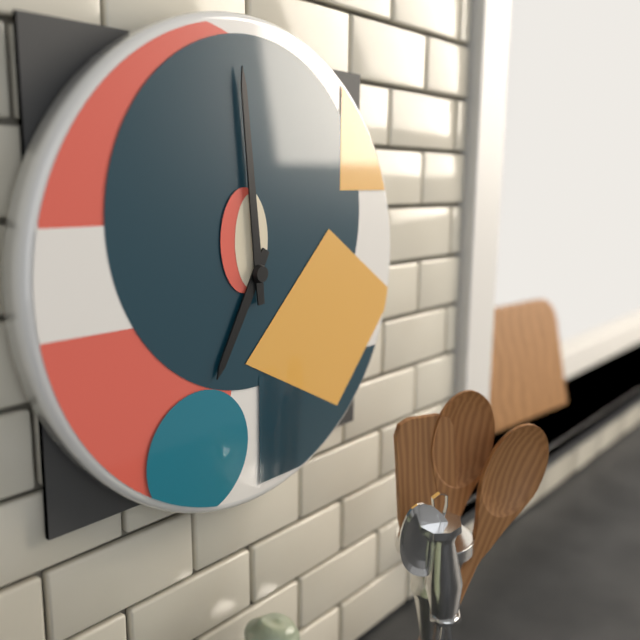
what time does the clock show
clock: 6:59
